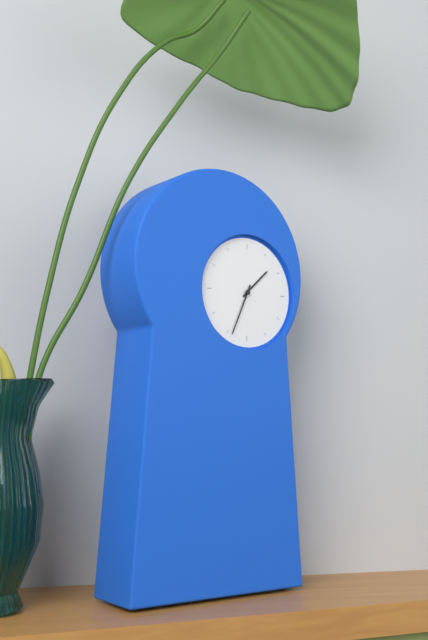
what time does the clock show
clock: 1:34
